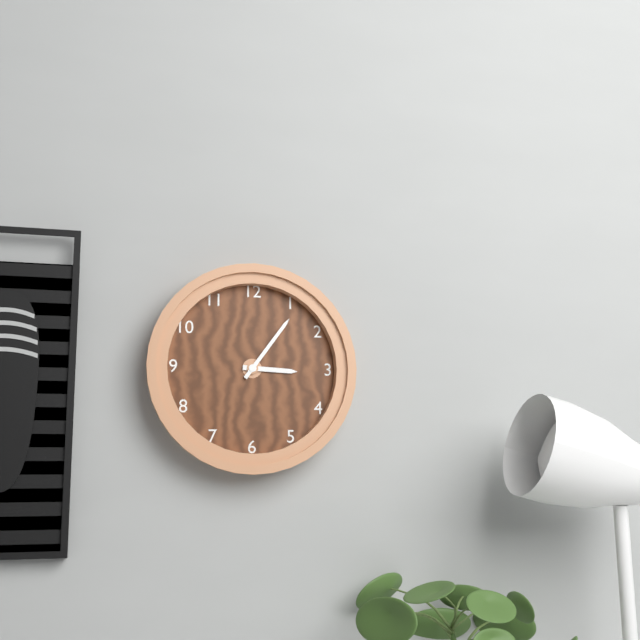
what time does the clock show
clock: 3:06
